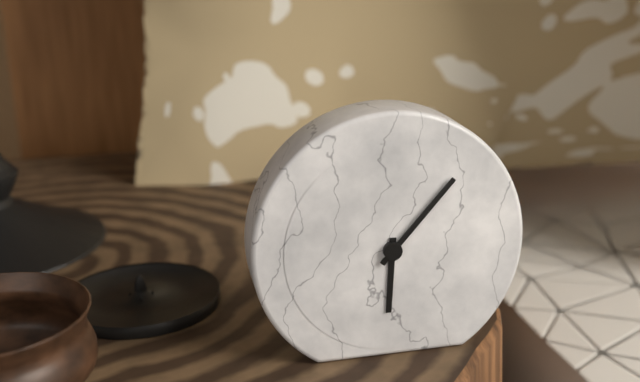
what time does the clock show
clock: 6:07
